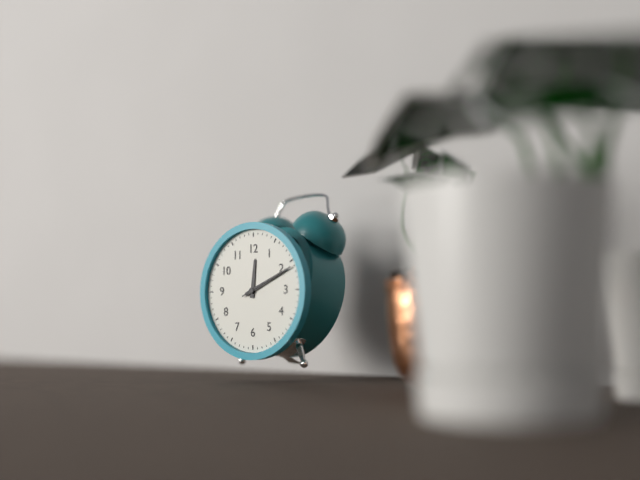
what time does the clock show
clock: 12:11:11
